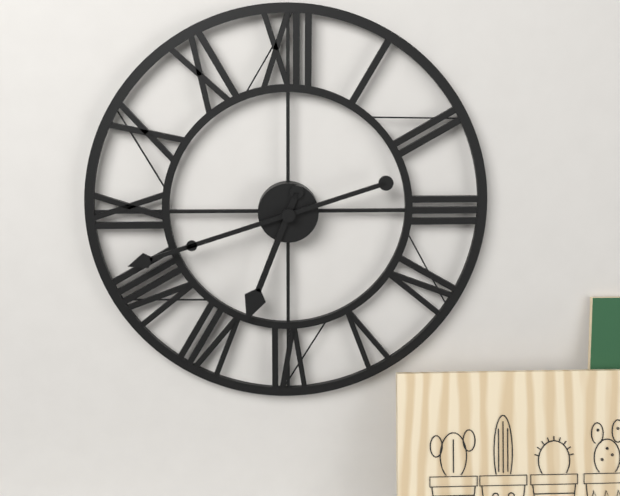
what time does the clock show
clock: 6:42
